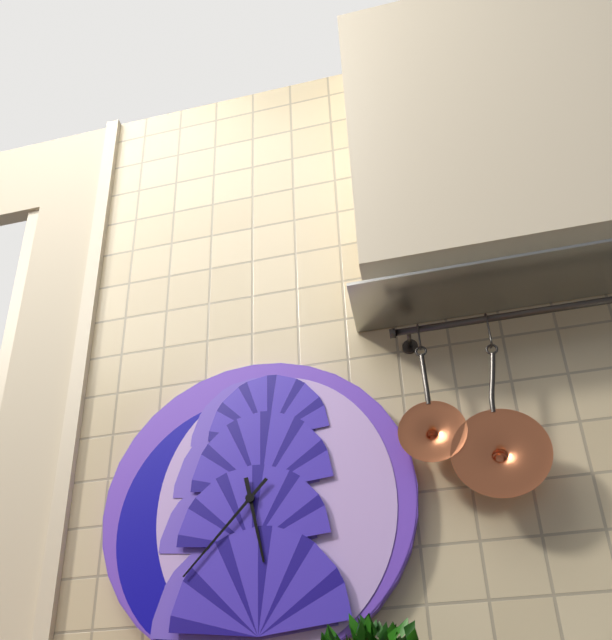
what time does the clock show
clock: 5:37
